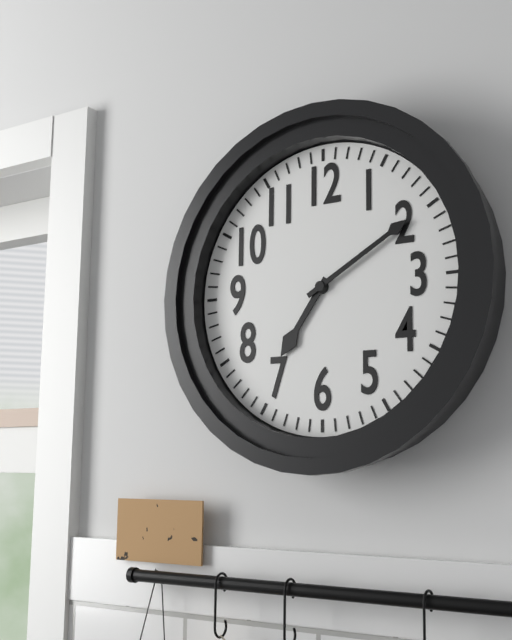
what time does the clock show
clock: 7:10
